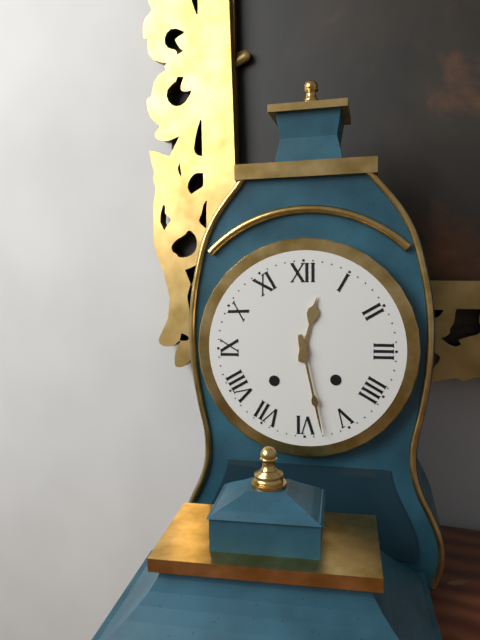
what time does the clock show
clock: 12:28
